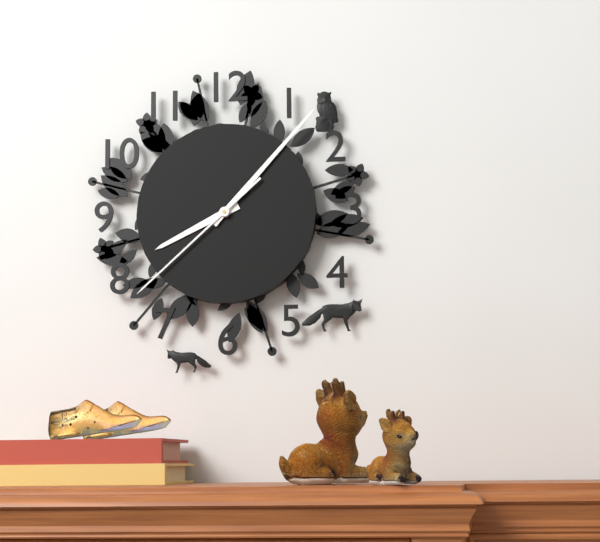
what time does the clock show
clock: 8:07:38
